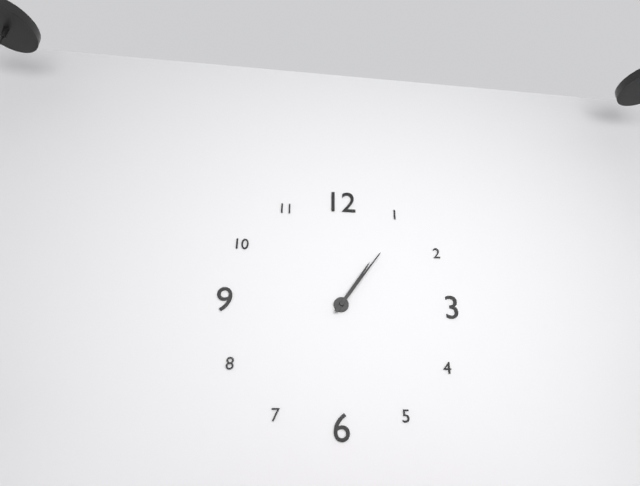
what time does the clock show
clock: 1:06
